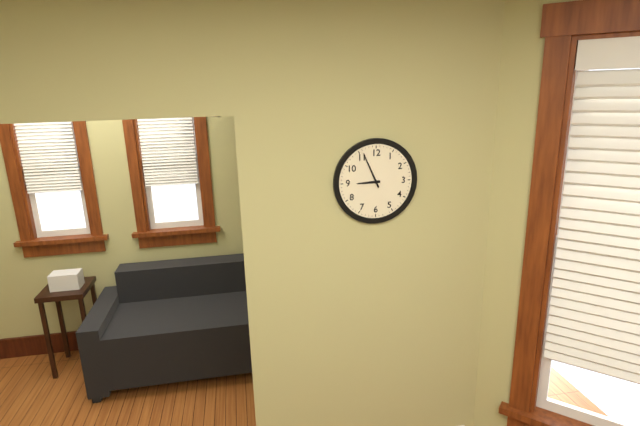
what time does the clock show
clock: 8:56
